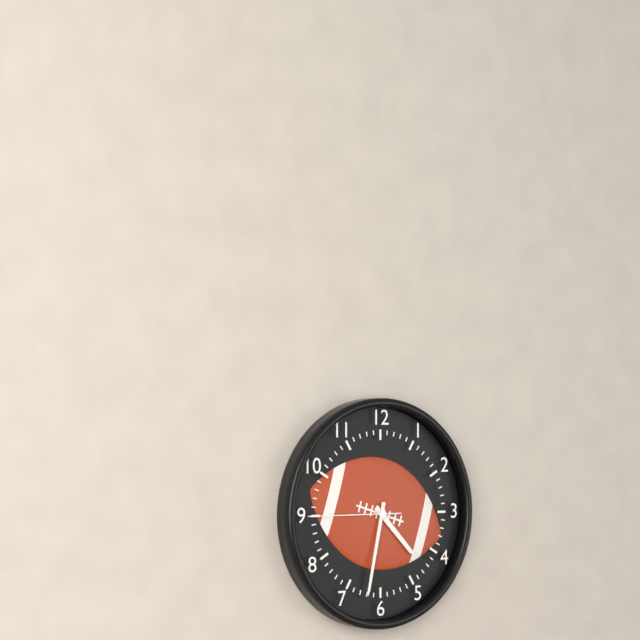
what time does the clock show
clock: 4:32:45
